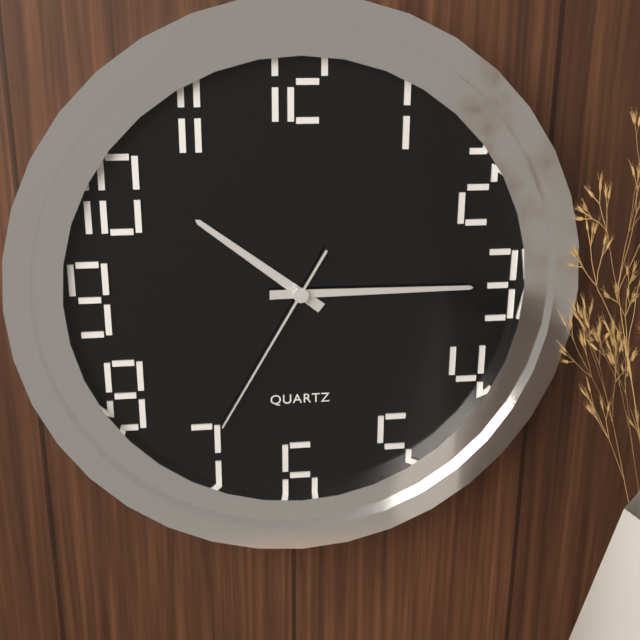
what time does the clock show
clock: 10:15:35
